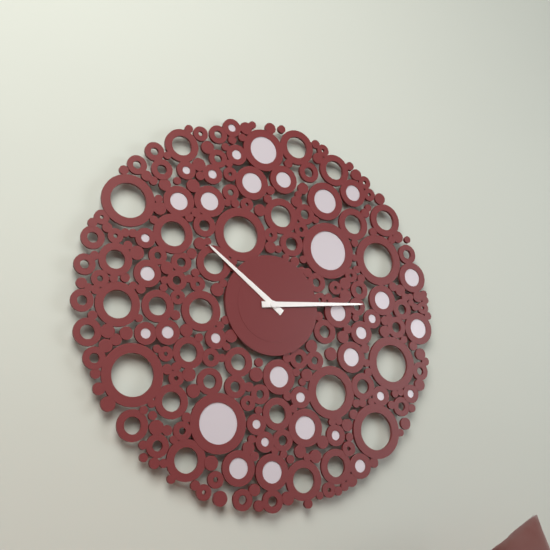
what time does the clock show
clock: 10:14
